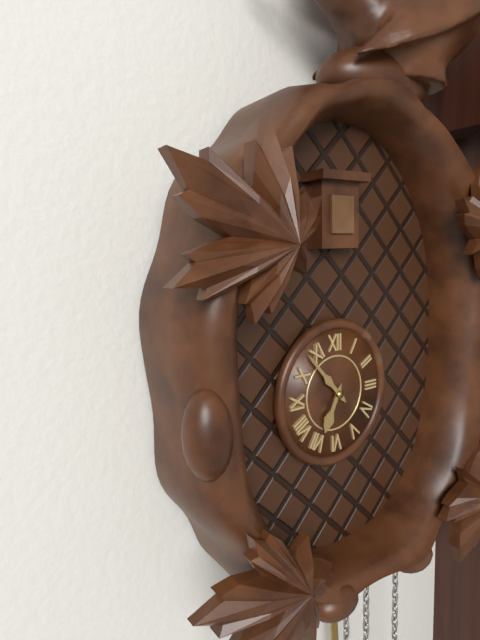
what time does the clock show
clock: 6:53
